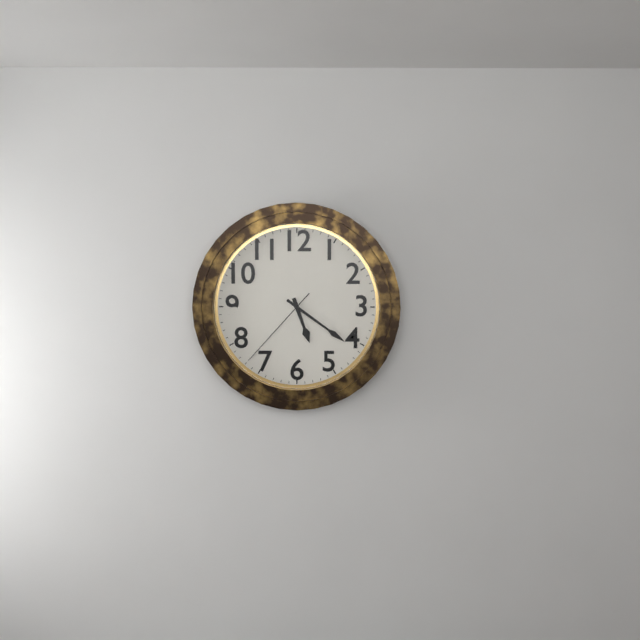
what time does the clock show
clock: 5:21:37
